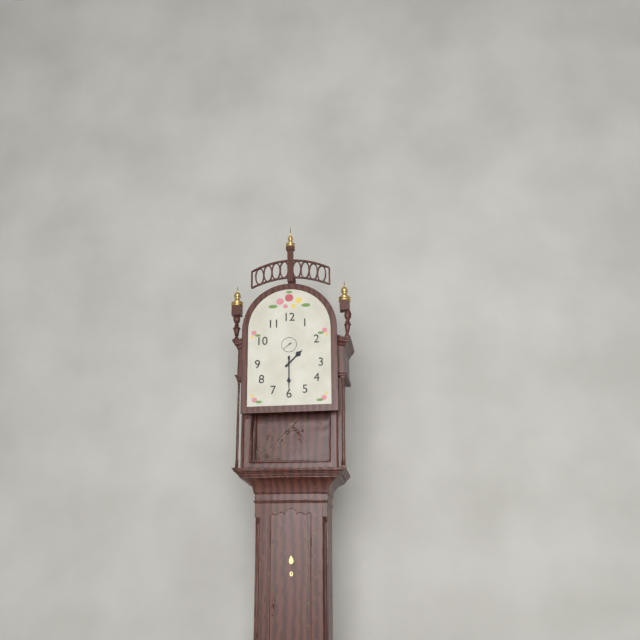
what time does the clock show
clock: 1:30
